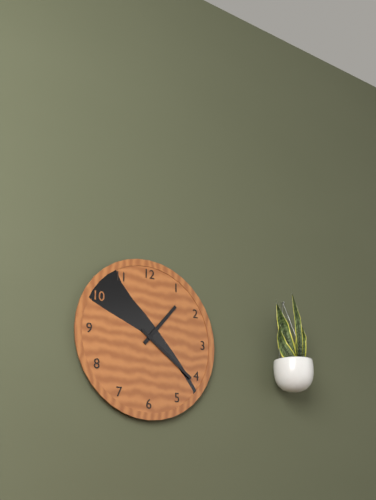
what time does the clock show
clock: 1:21
